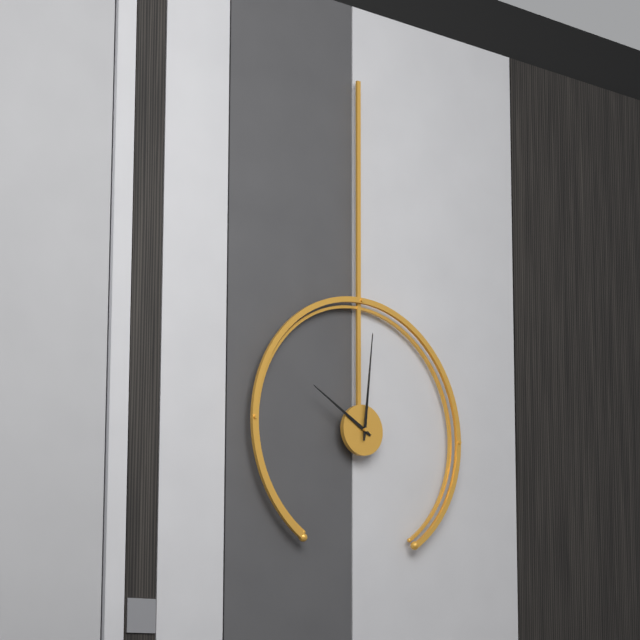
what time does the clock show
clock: 10:01
